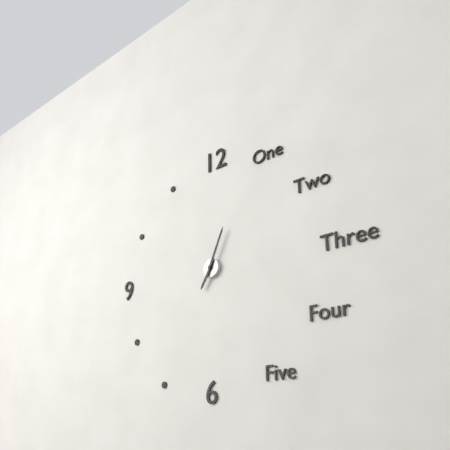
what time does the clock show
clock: 7:04
